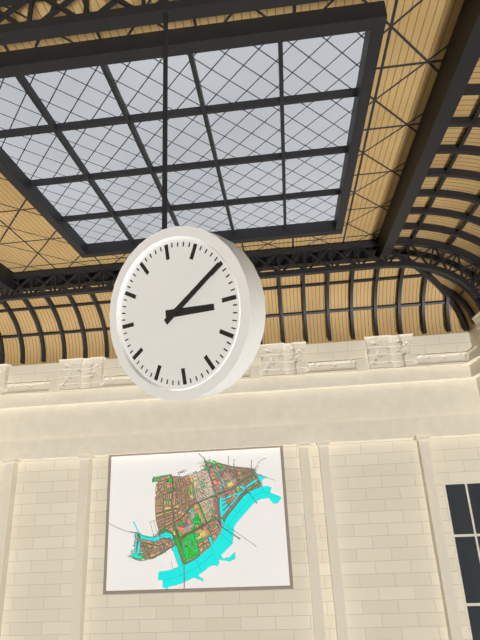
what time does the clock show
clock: 3:10
